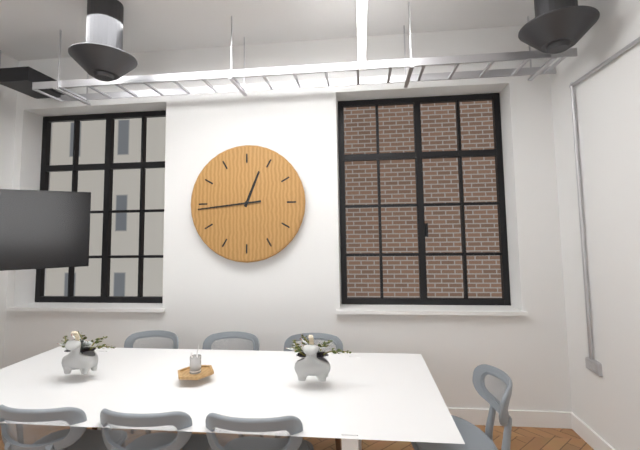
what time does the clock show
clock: 12:44
